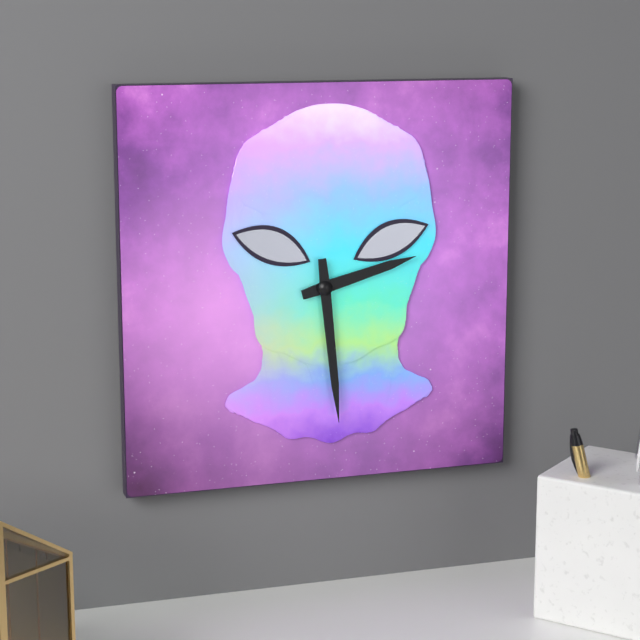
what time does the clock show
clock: 2:29
